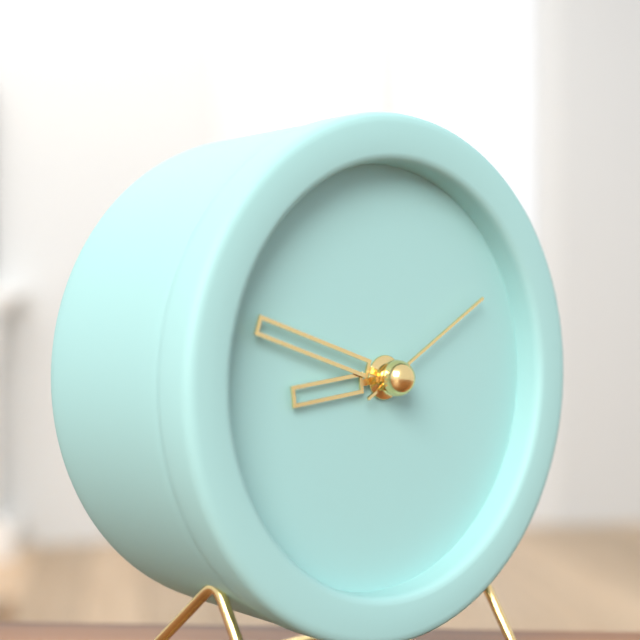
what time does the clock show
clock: 8:48:10
